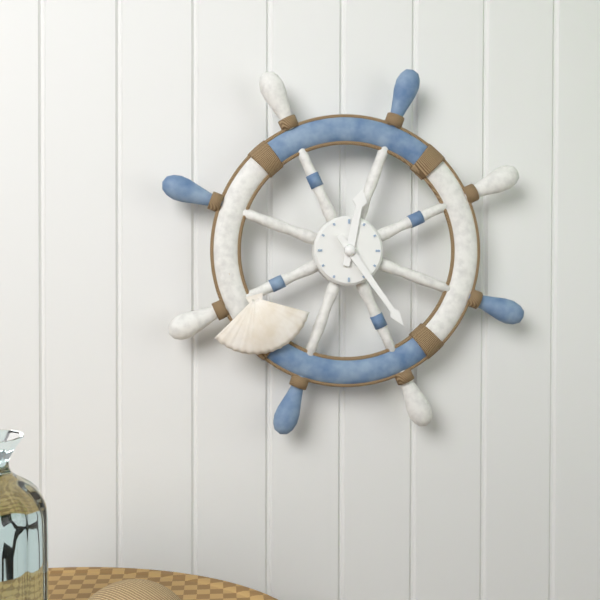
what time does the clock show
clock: 12:24
